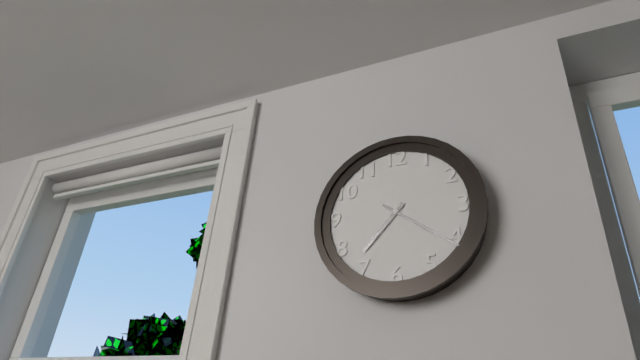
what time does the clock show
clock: 7:21
